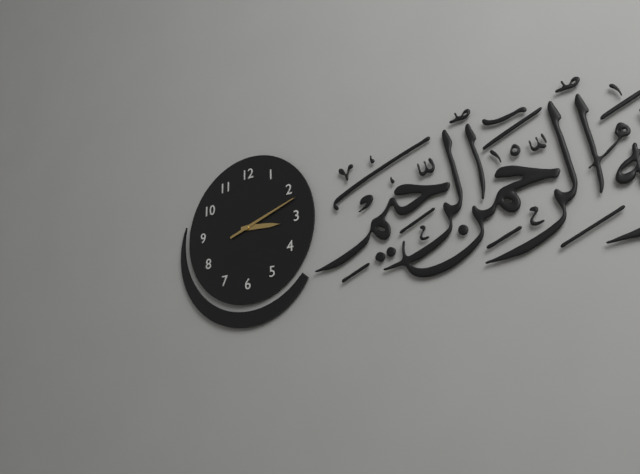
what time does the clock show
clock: 3:12
